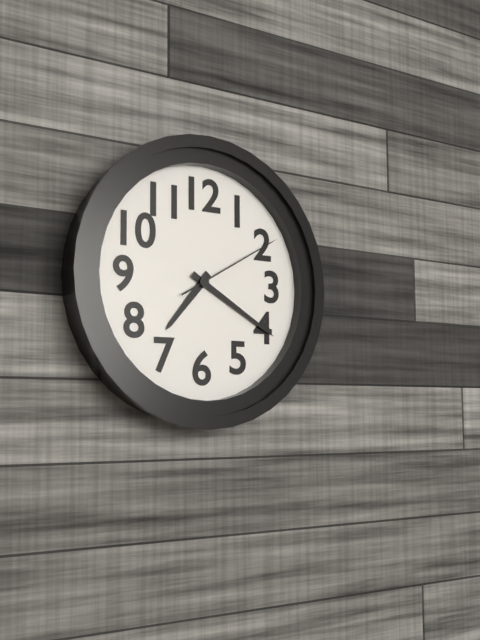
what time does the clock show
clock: 7:20:10
